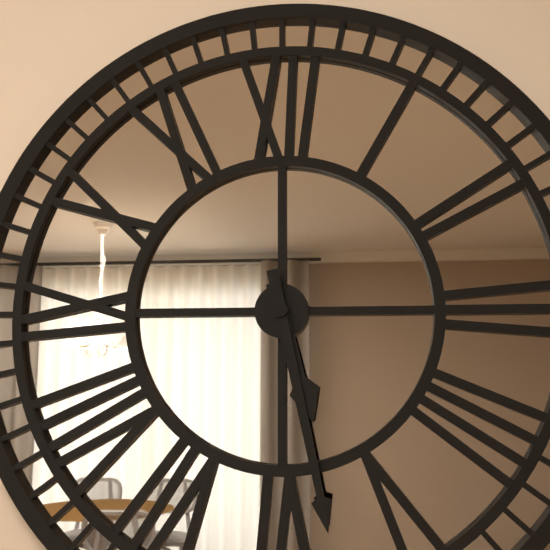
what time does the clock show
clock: 5:28
